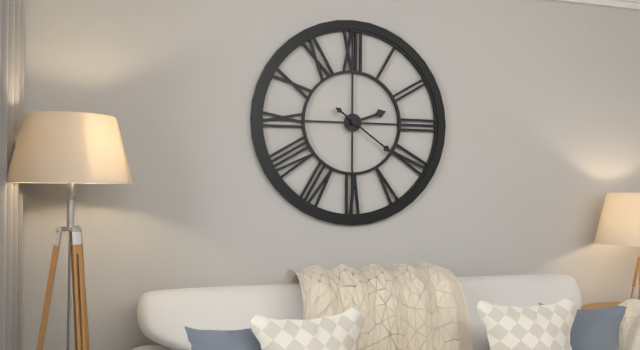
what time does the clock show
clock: 2:21
